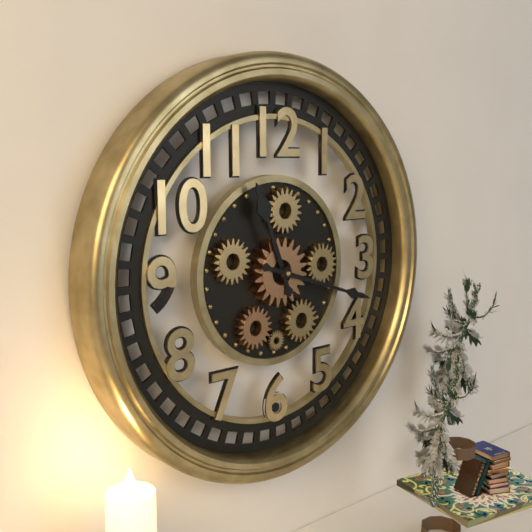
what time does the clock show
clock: 11:18
